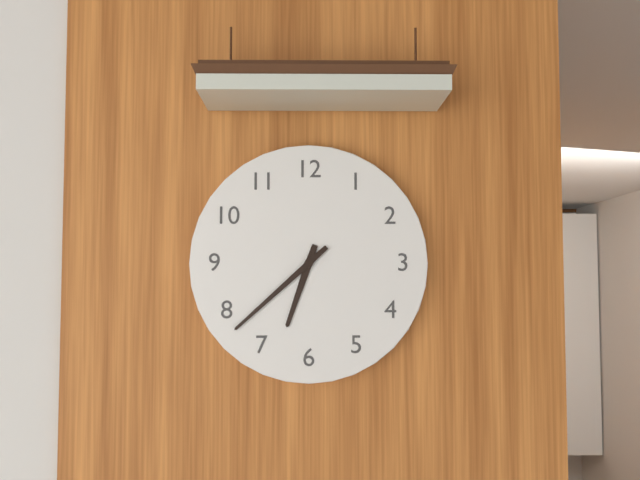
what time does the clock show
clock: 6:38
